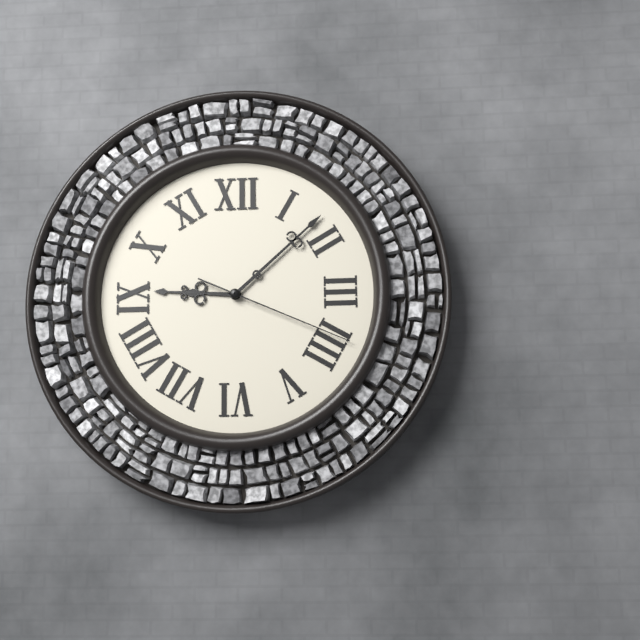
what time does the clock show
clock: 9:08:19
